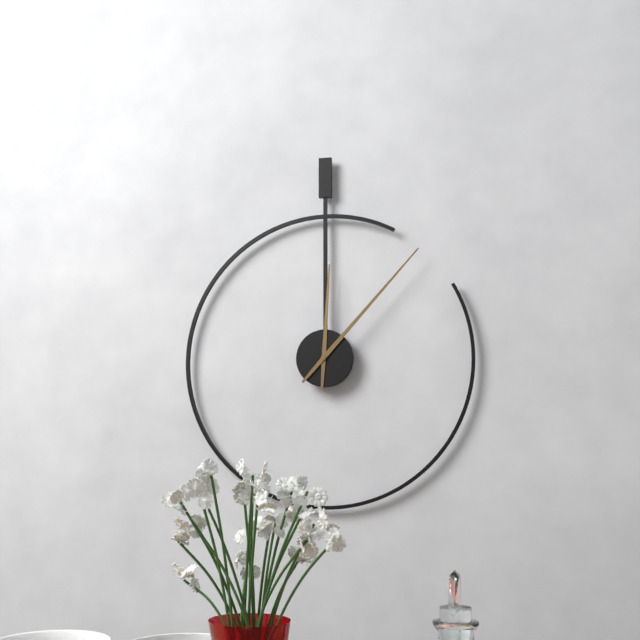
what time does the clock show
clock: 12:07
